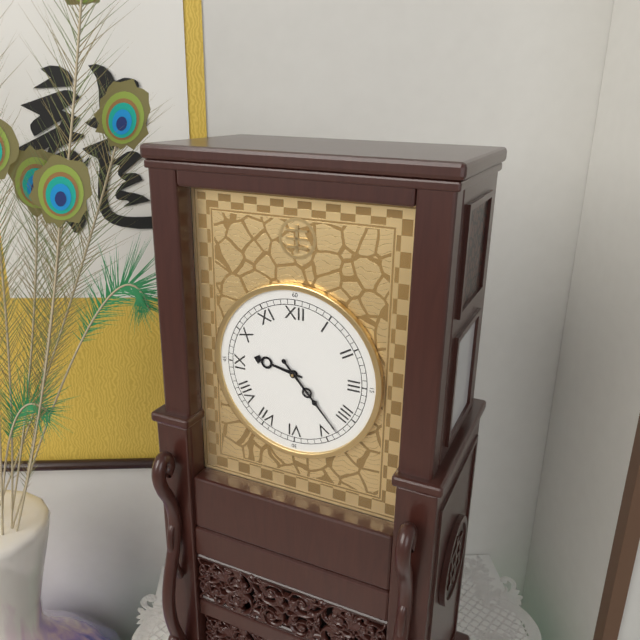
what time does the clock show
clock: 9:23
